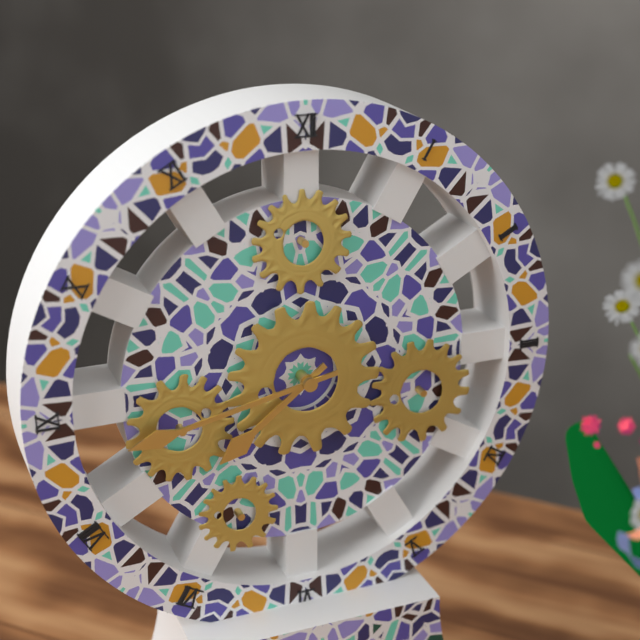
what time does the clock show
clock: 7:43
